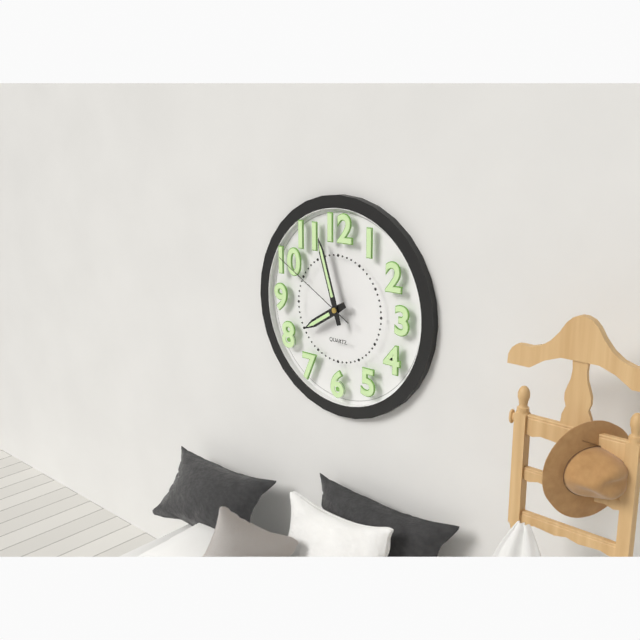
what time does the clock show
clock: 7:57:50
